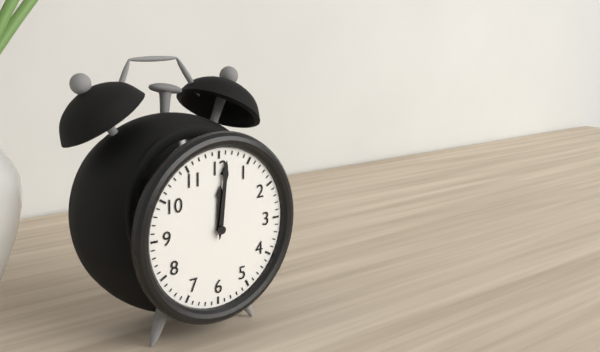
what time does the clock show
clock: 12:01
